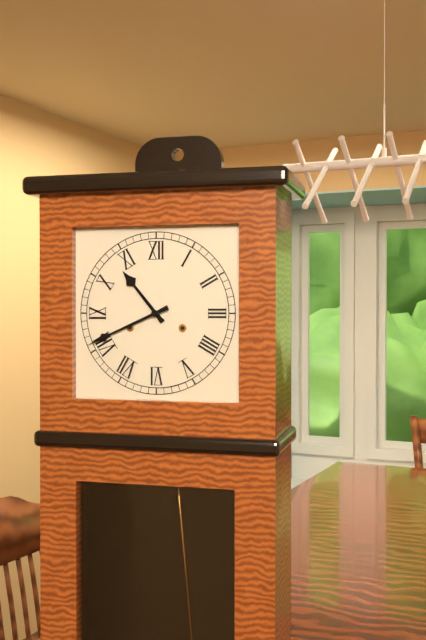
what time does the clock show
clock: 10:41
